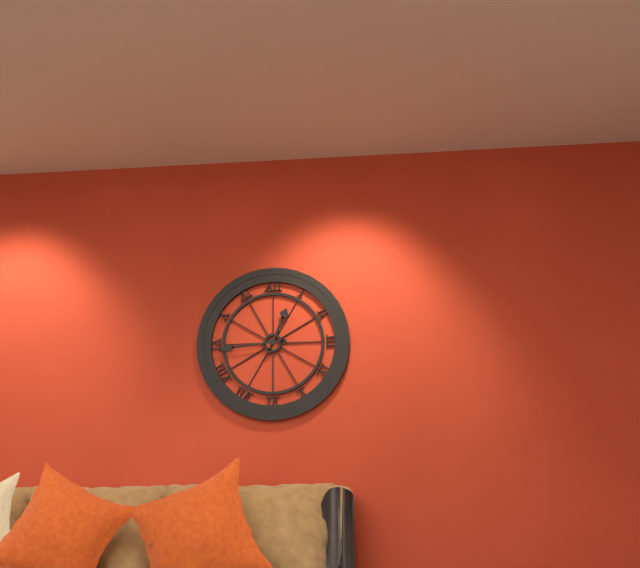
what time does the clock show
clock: 12:44
